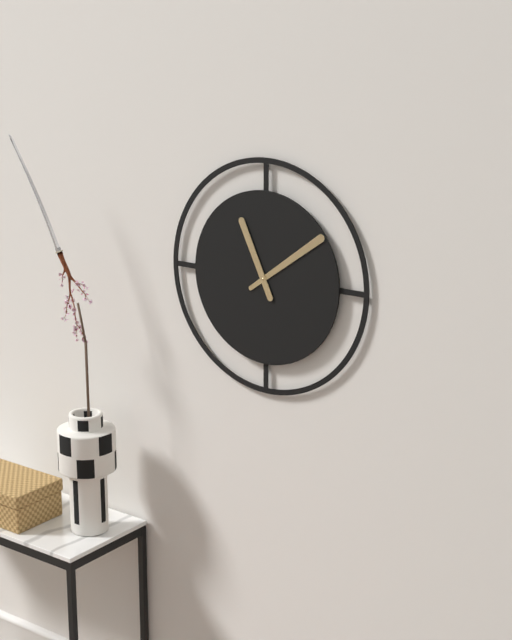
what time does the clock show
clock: 11:09
